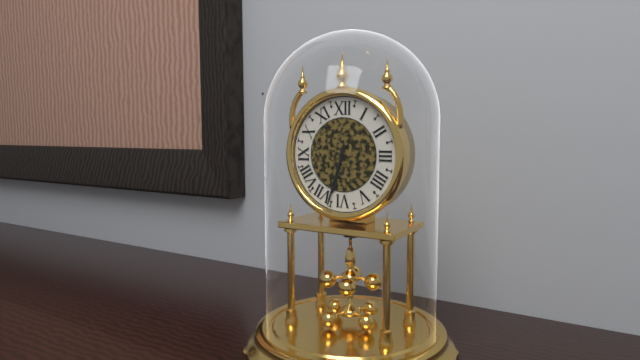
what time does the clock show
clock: 6:33
